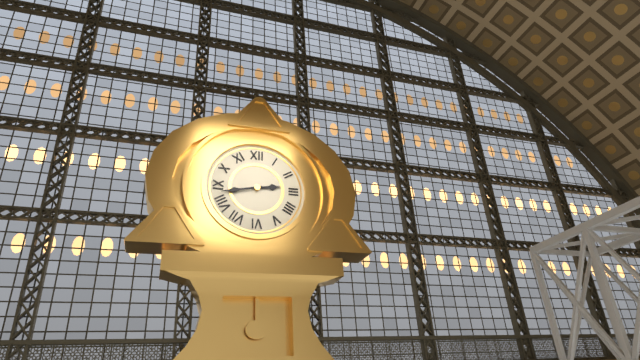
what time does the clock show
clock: 2:43
